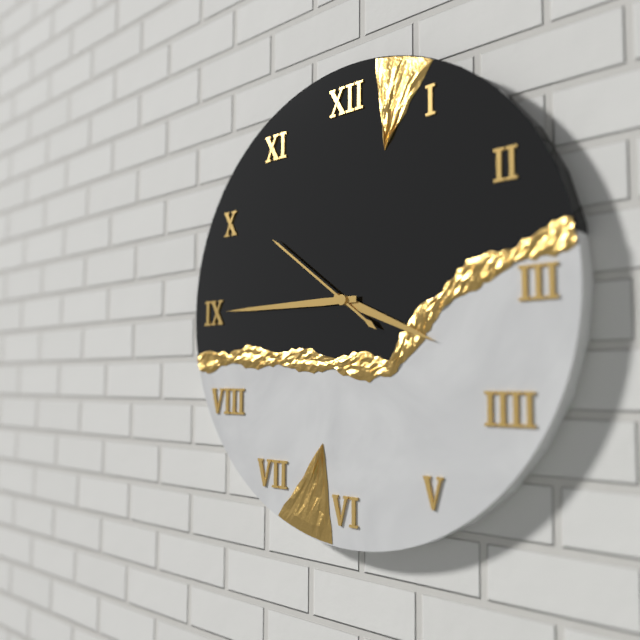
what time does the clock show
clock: 3:45:51
